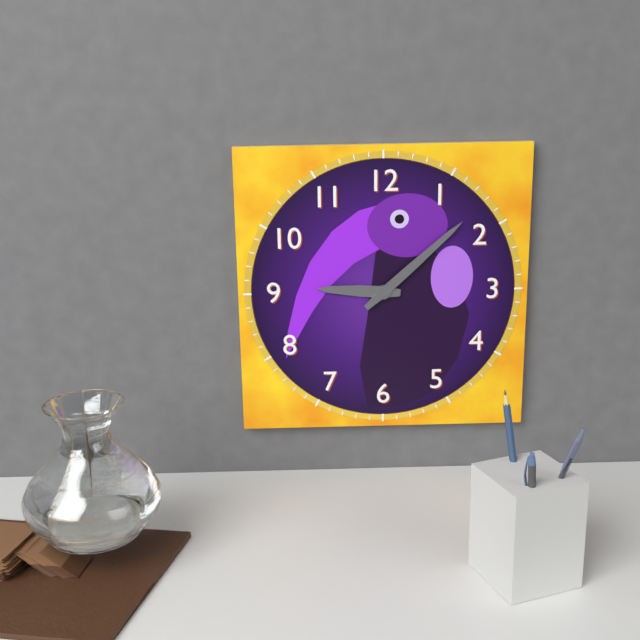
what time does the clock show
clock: 9:08
